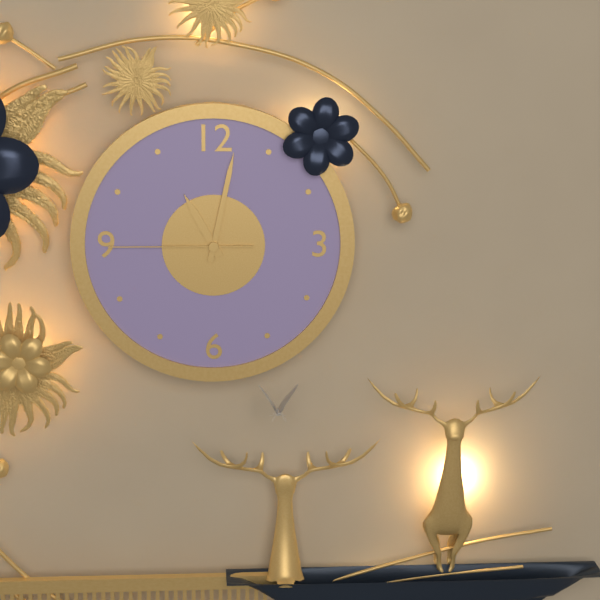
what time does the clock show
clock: 11:02:45
